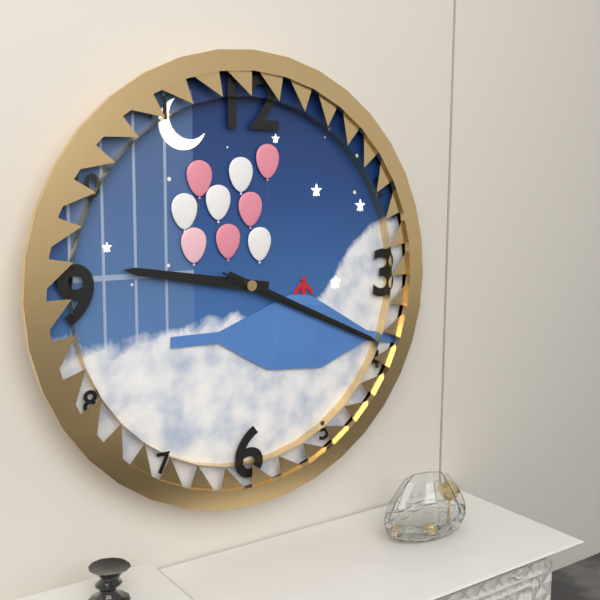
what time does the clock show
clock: 9:19:19
